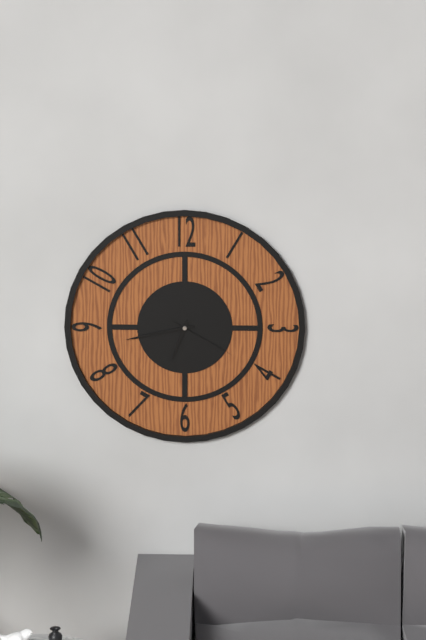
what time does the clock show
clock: 6:43:20
